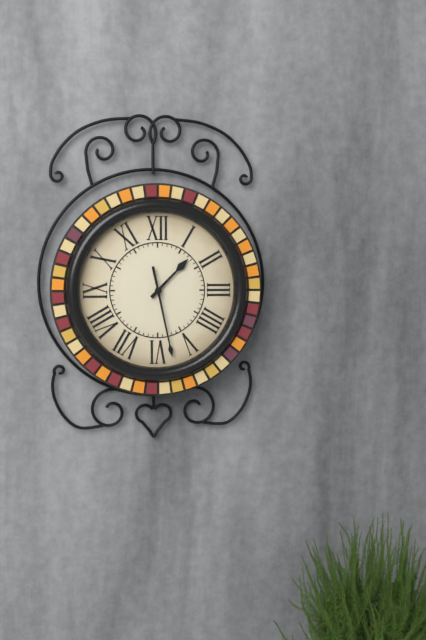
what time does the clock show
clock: 1:28
